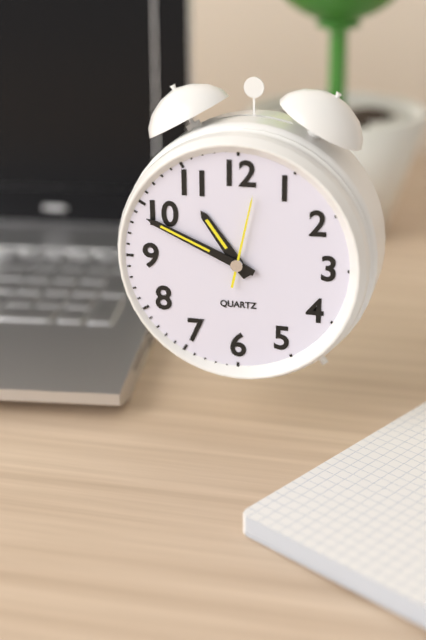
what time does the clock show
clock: 10:49:02
